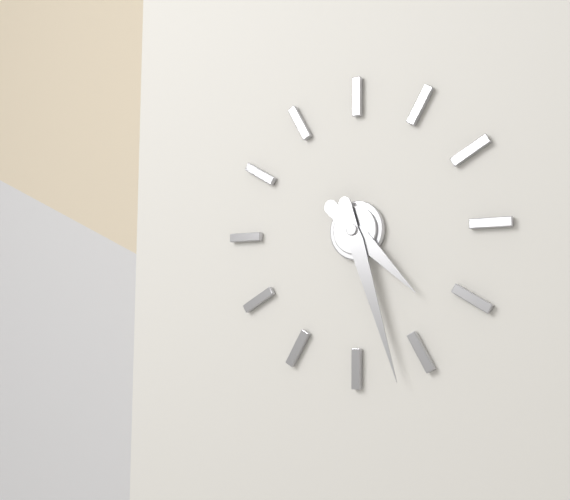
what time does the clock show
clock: 4:27
